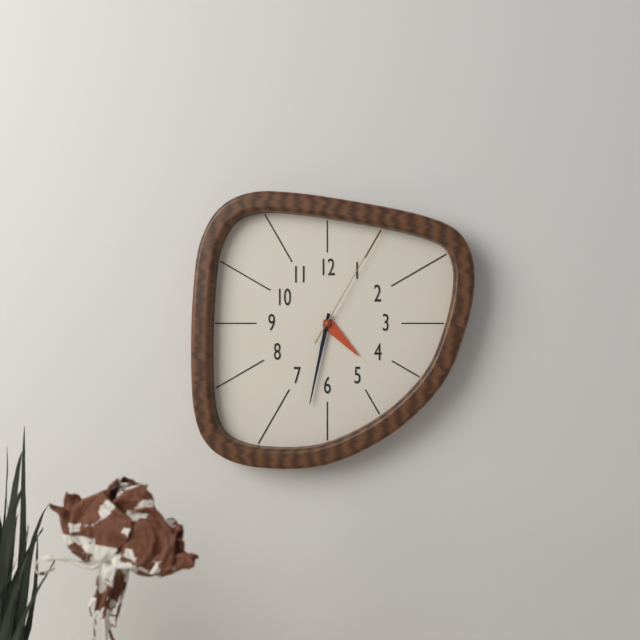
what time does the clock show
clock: 4:32:05
